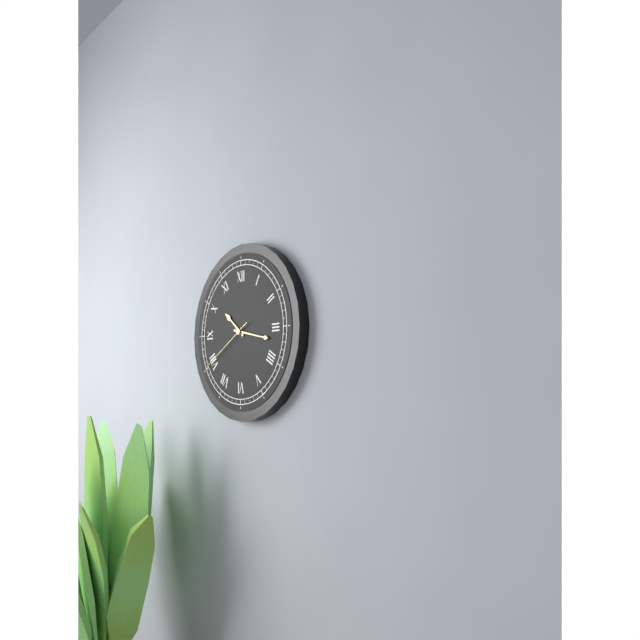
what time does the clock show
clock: 10:17:40
